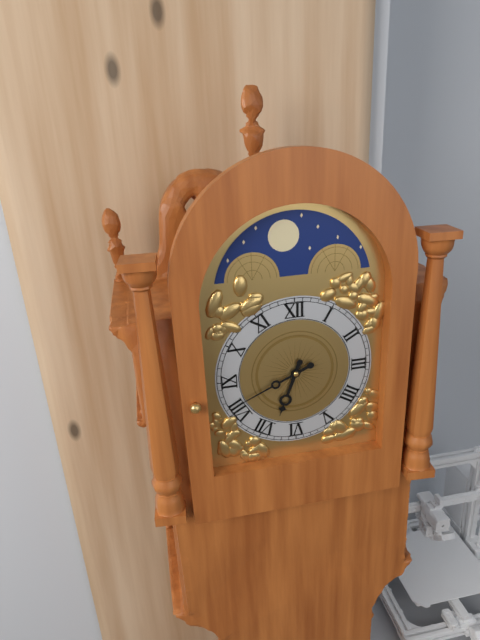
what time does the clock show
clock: 6:41
